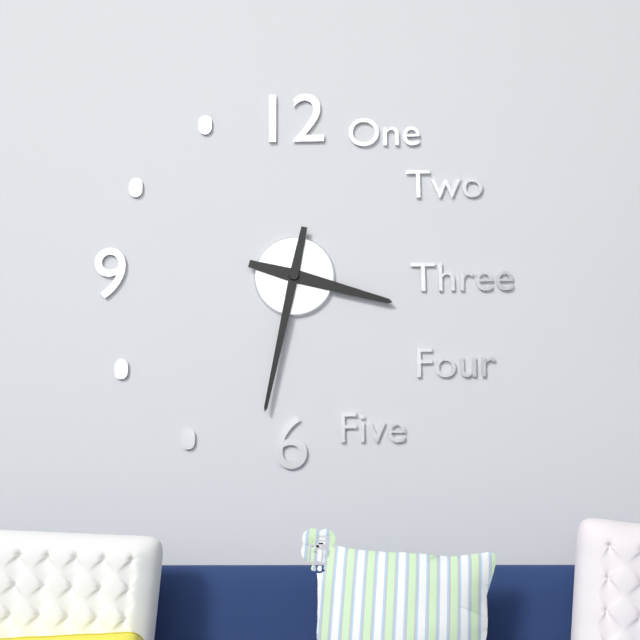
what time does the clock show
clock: 3:32
